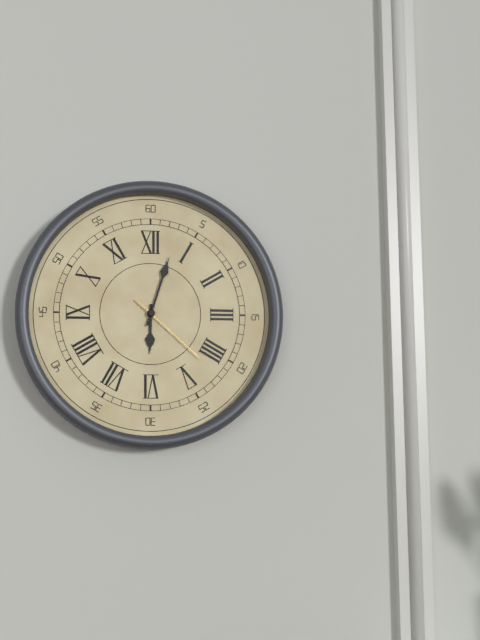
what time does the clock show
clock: 6:03:22
